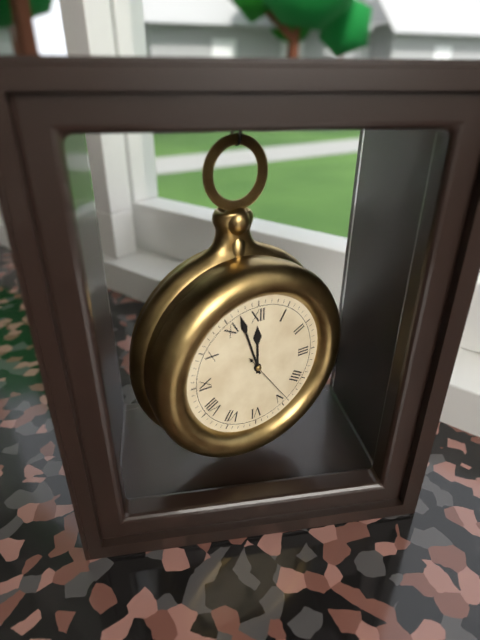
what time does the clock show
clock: 11:57:24
